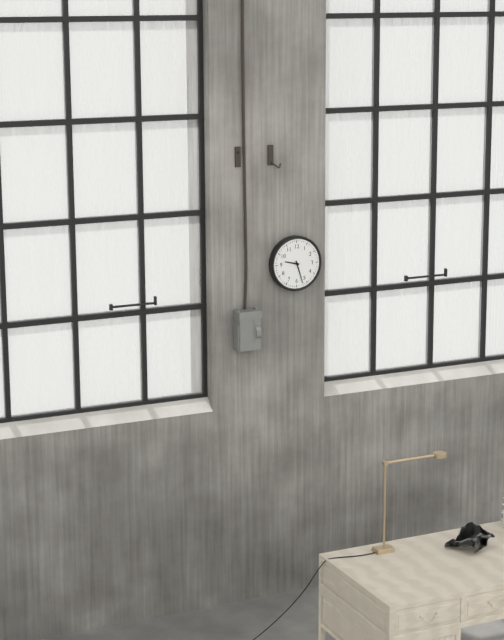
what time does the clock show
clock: 9:27
